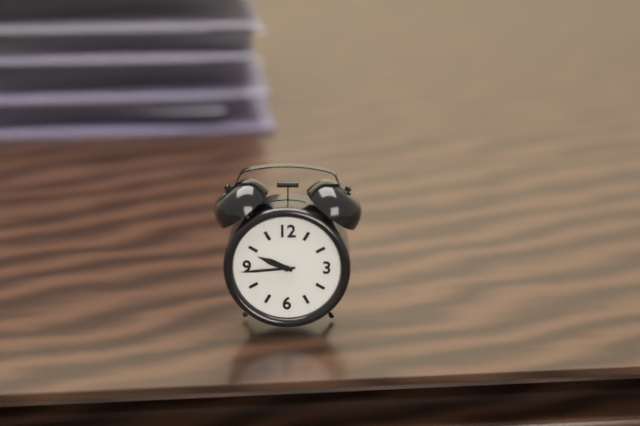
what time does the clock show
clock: 9:44
